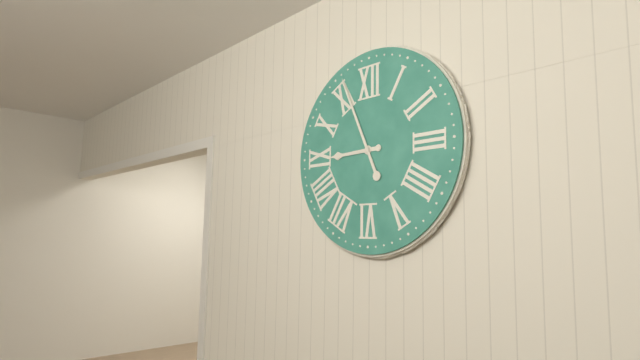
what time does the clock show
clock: 8:56
